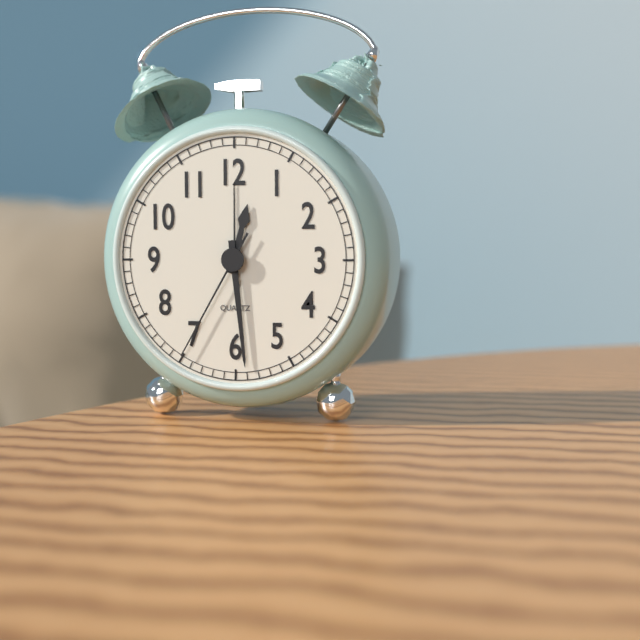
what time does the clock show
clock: 12:29:35
